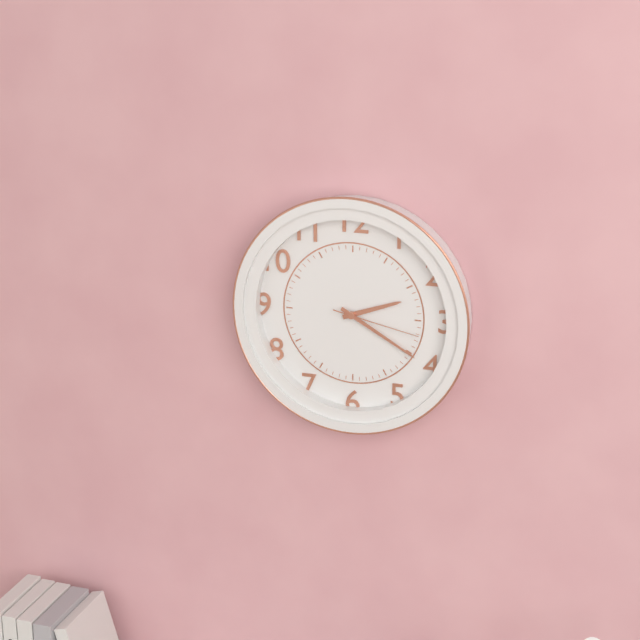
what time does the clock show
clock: 2:20:17
